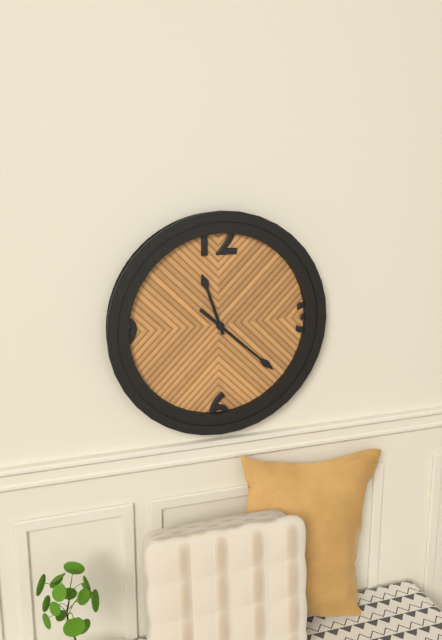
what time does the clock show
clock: 11:22
